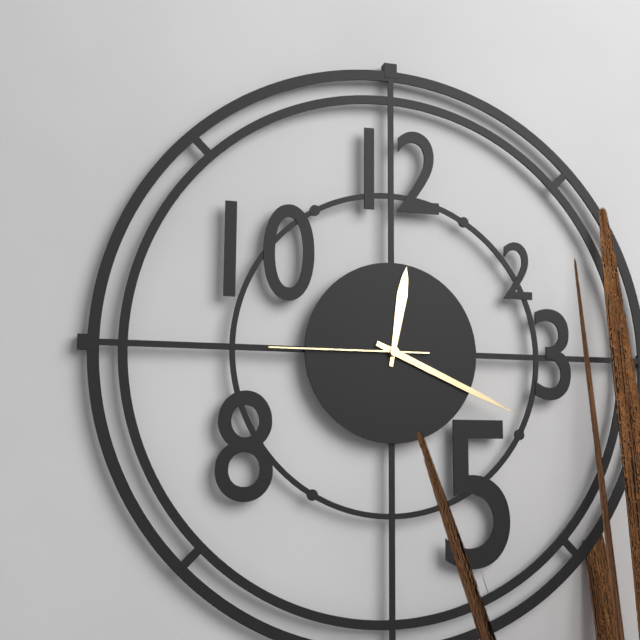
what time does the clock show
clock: 12:19:45
